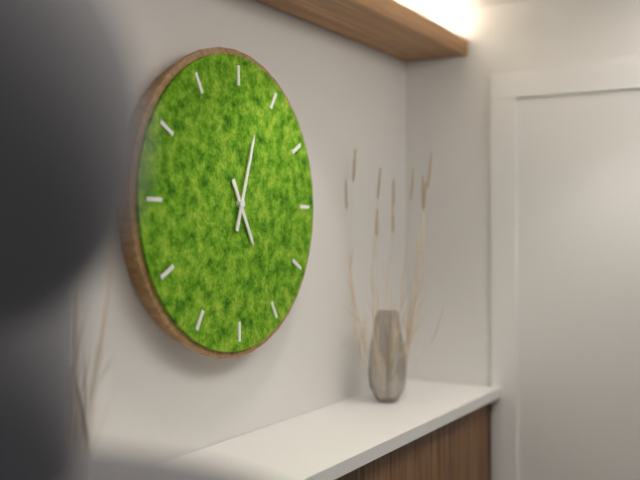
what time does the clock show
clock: 5:03
